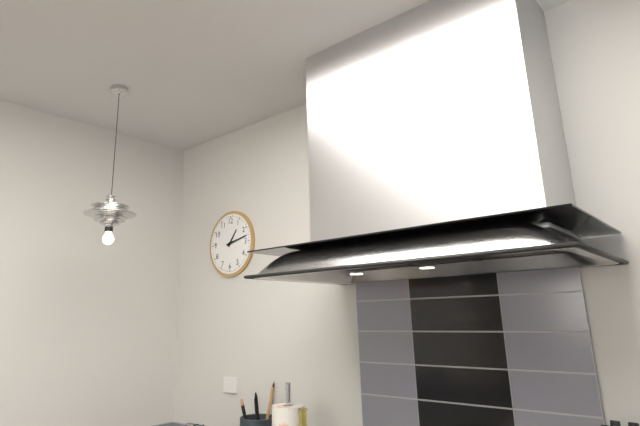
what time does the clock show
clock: 1:13
